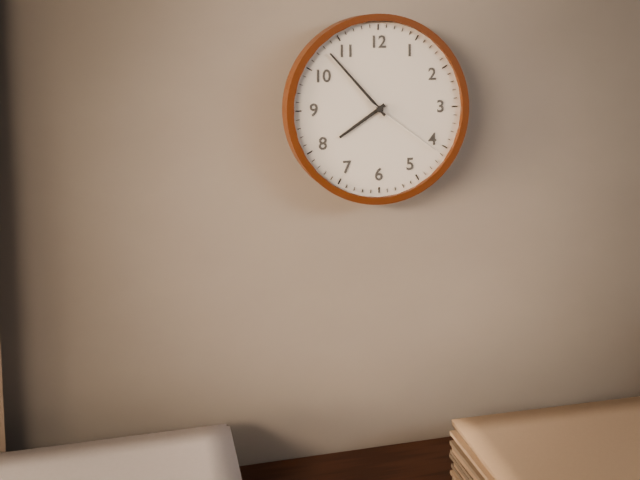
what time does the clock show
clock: 7:53:21
